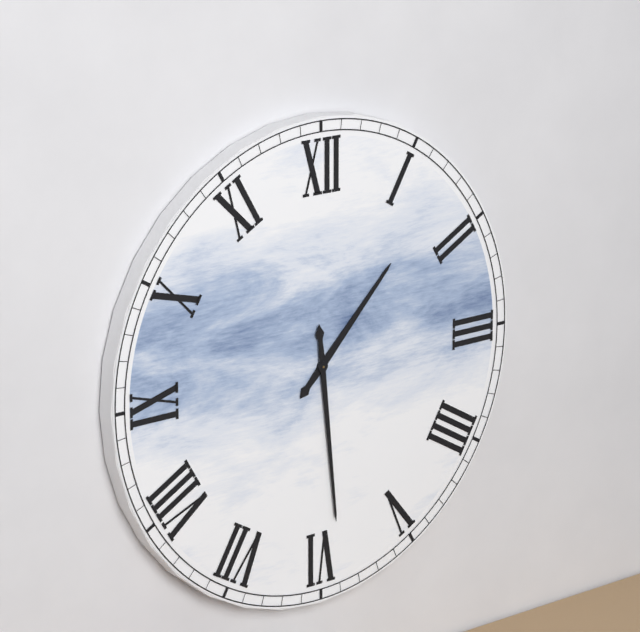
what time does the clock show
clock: 1:29
